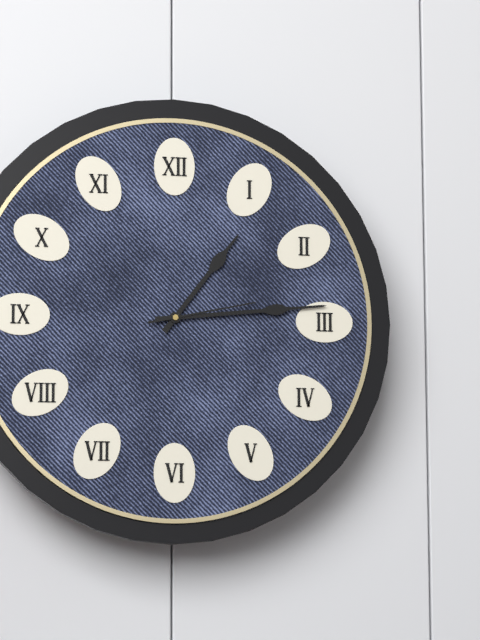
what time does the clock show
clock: 1:14:13
